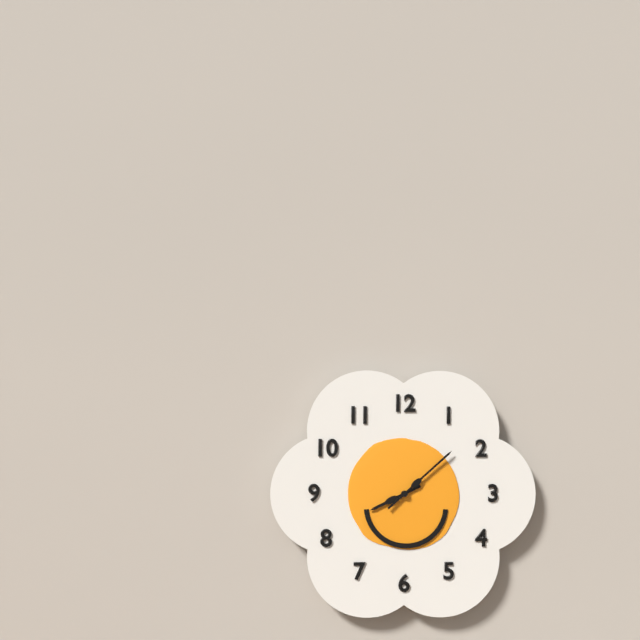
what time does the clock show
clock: 8:08
